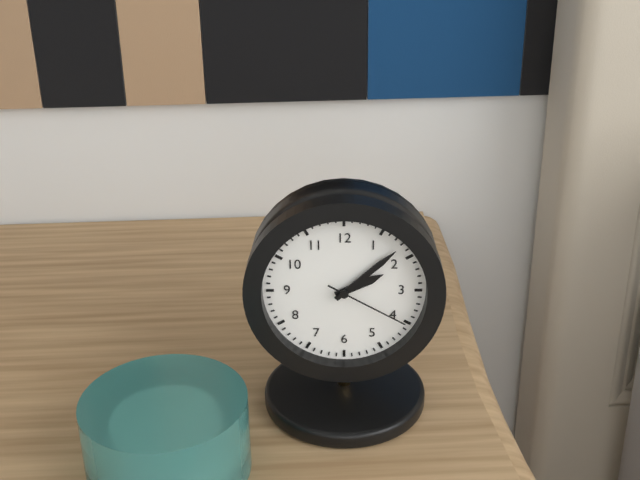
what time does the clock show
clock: 2:08:20
